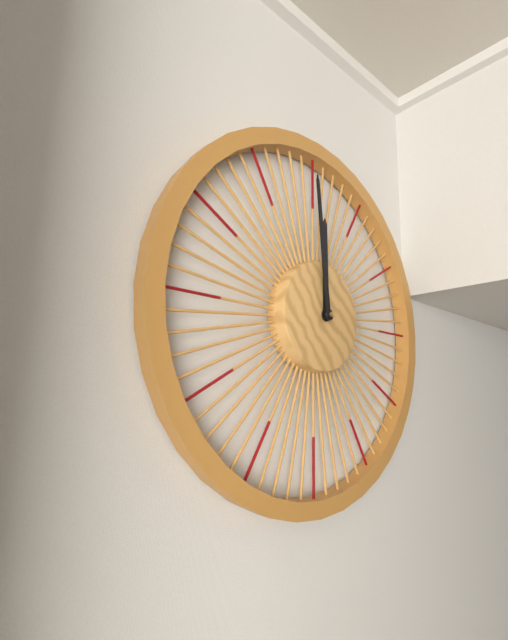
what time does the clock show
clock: 11:59
